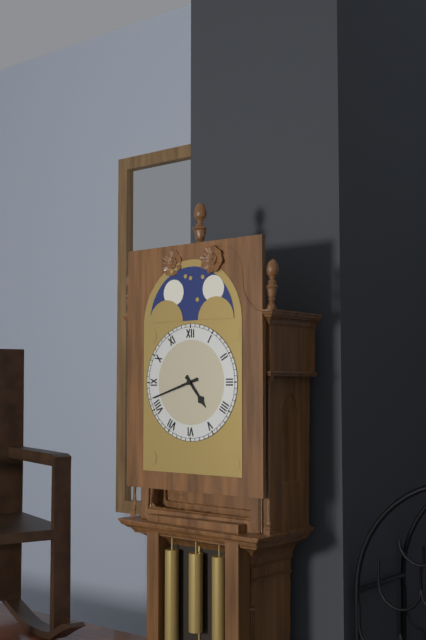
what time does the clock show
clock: 4:42
